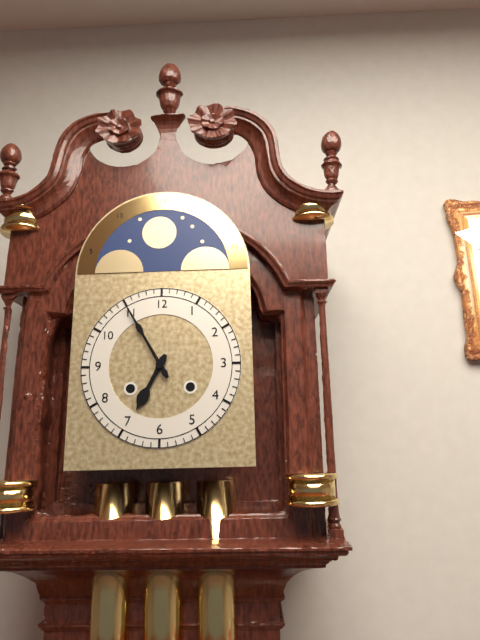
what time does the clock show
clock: 6:55
